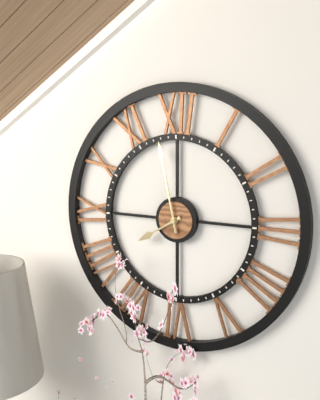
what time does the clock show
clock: 7:58
